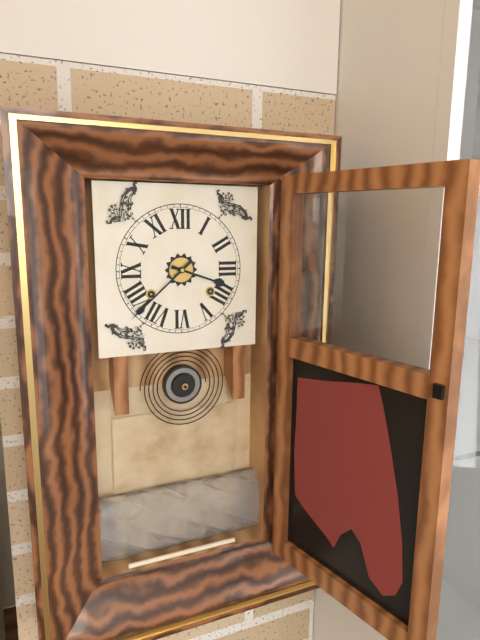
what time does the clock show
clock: 3:38
